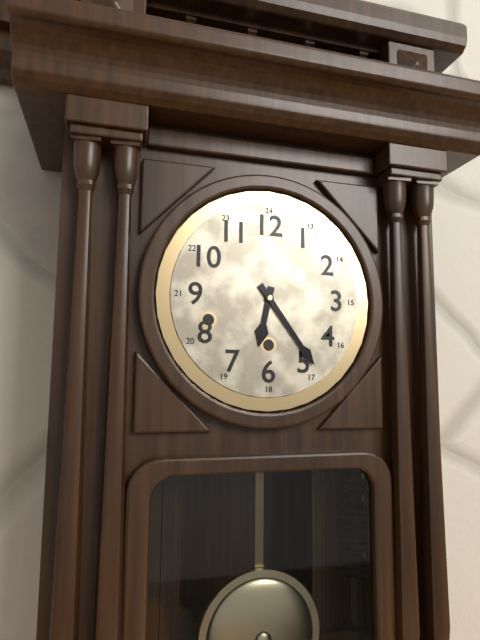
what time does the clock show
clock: 6:24
